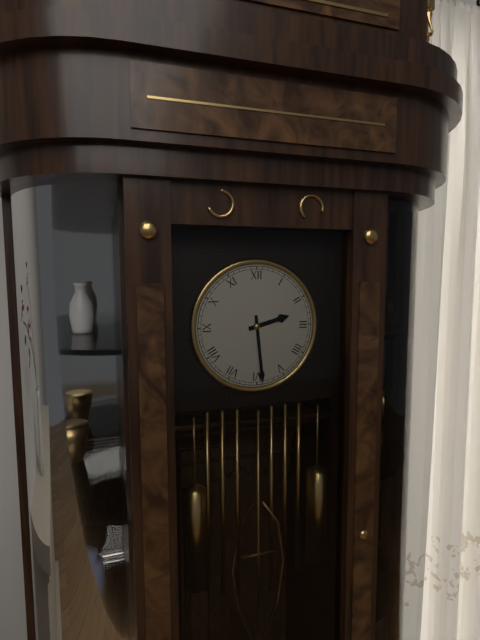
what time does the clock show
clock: 2:29
